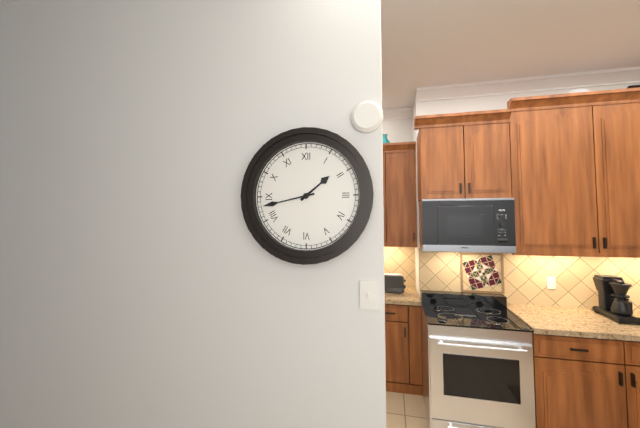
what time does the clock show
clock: 1:43
